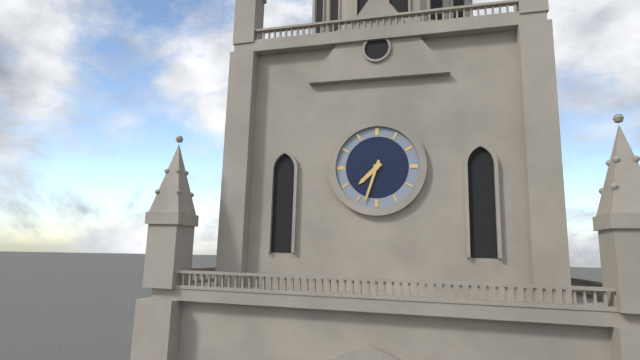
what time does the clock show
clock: 7:33
